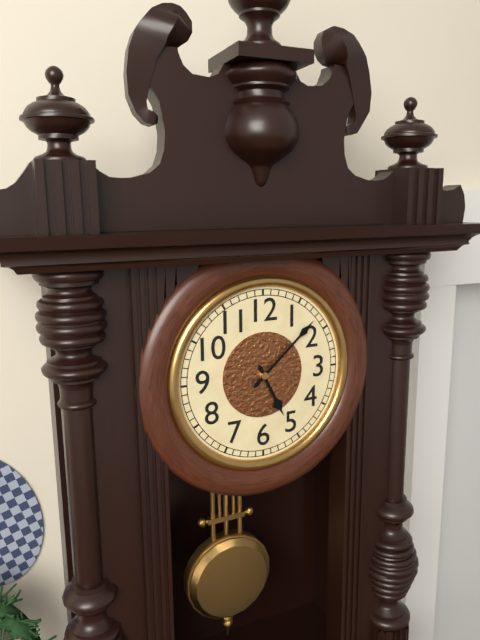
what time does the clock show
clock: 5:08
